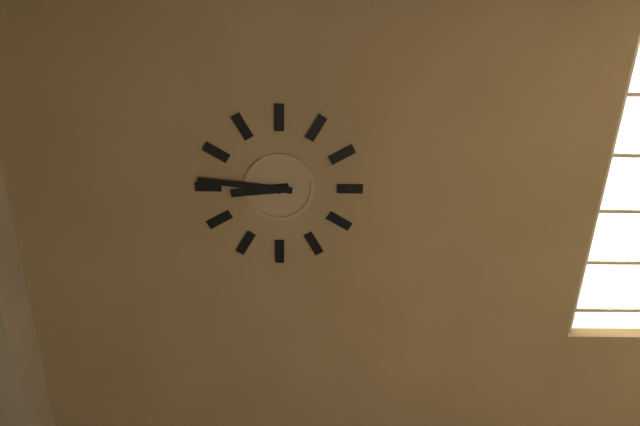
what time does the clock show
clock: 8:46
